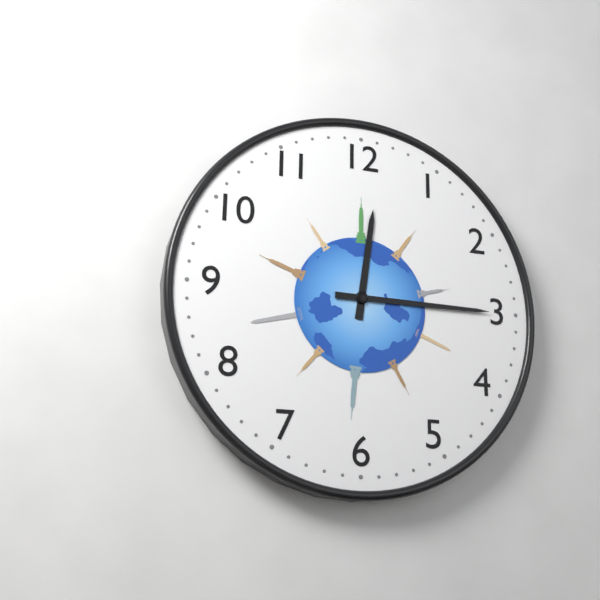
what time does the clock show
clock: 12:15
